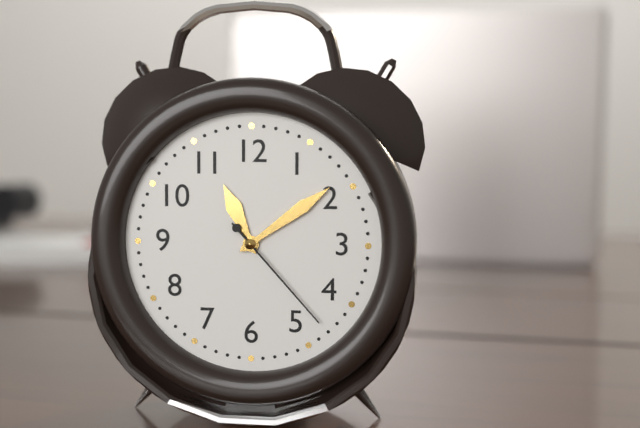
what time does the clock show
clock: 11:09:23
